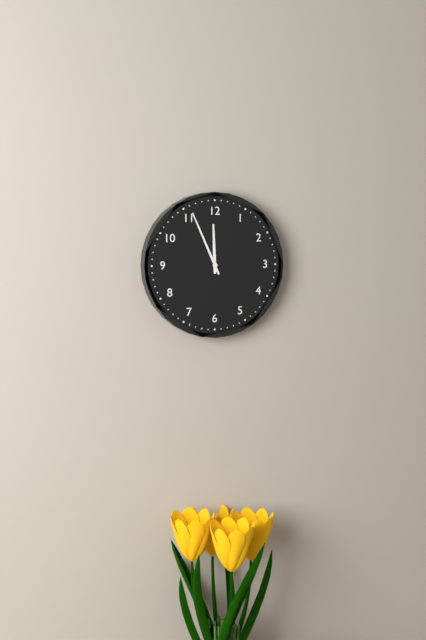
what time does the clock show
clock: 11:56
